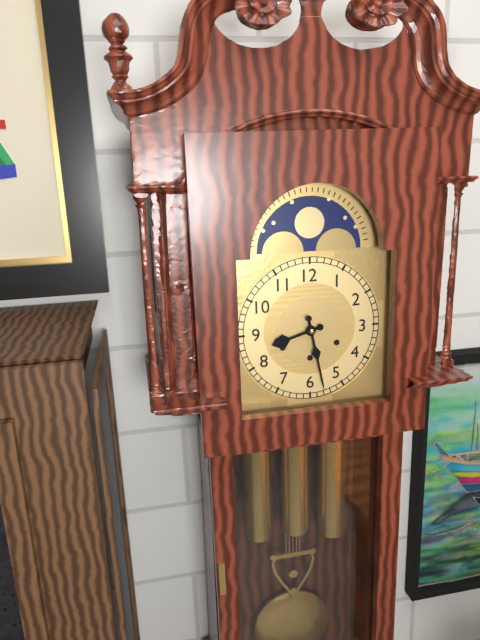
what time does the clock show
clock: 8:28
